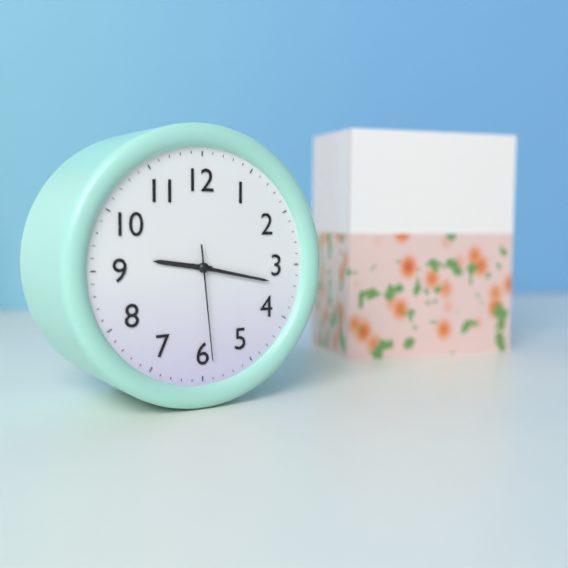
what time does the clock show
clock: 9:17:29
